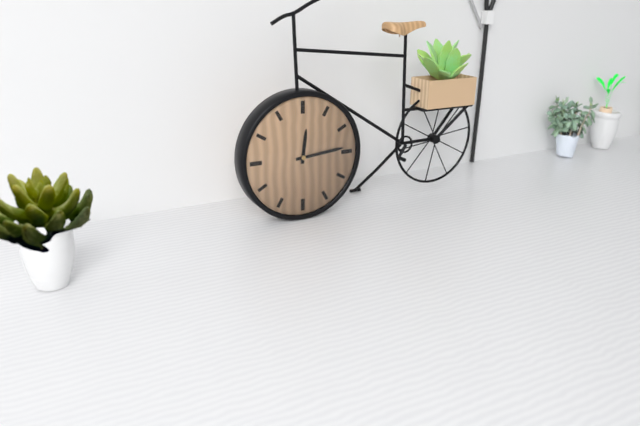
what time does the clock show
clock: 12:14
